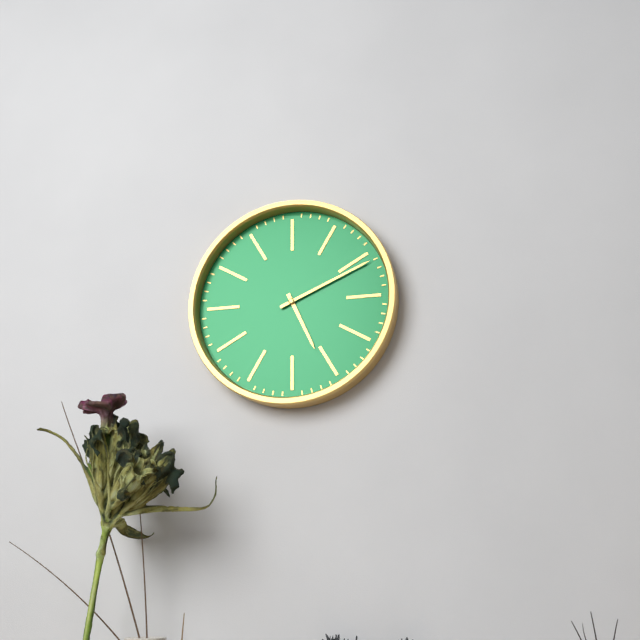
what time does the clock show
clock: 5:11
